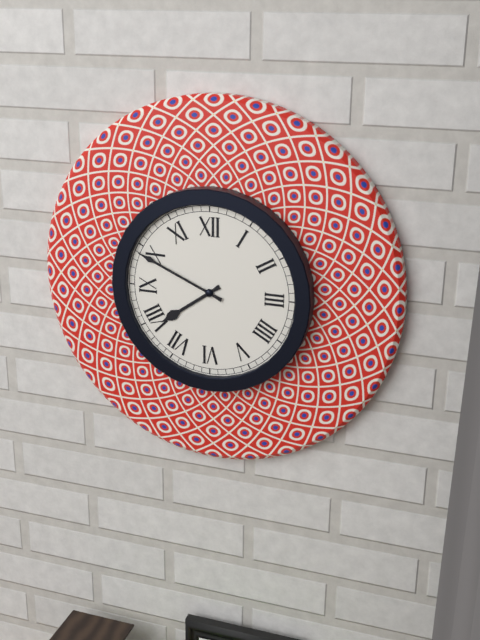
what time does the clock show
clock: 7:49
